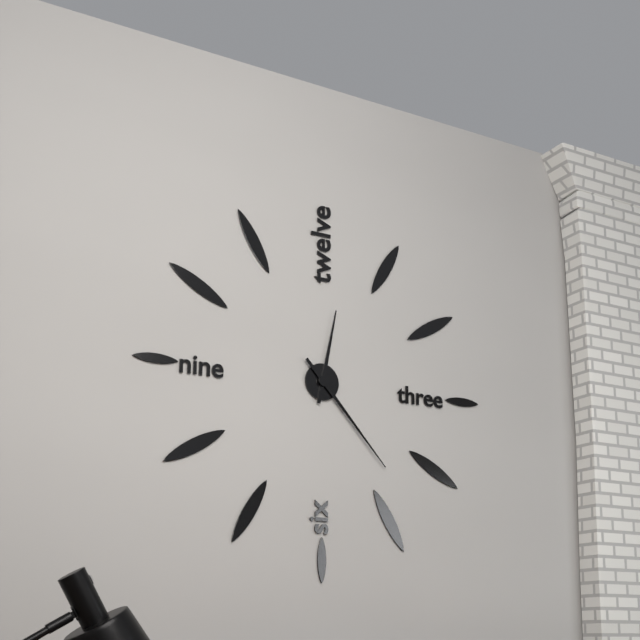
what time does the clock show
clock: 12:23
